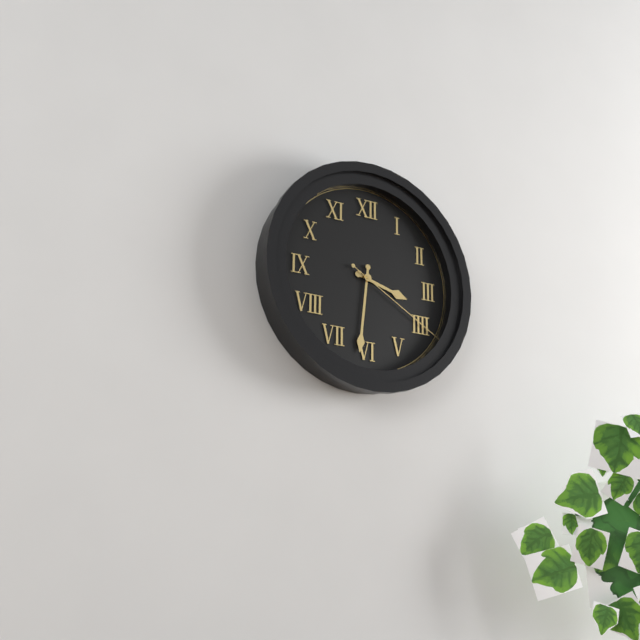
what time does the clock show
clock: 3:31:20
